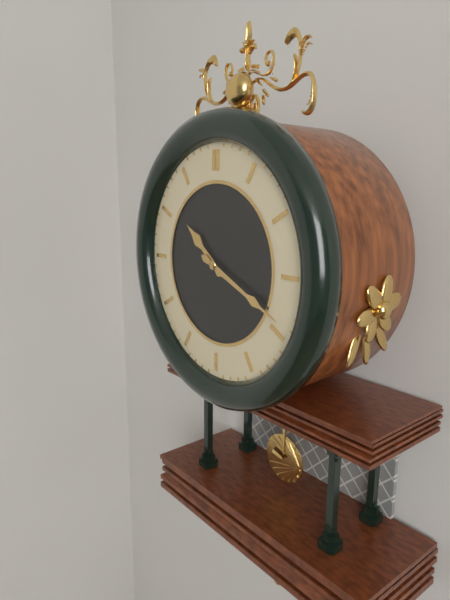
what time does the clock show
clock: 10:19
